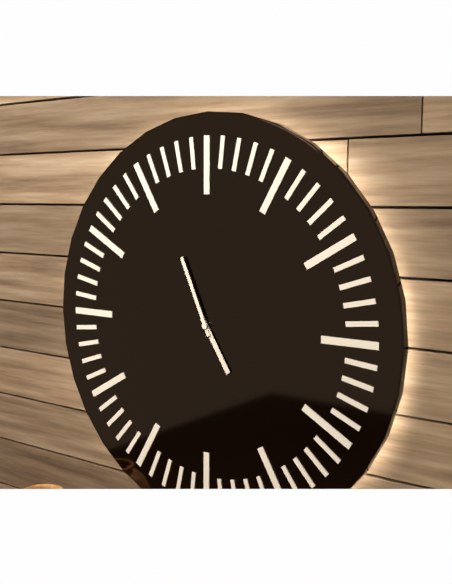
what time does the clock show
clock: 4:56
